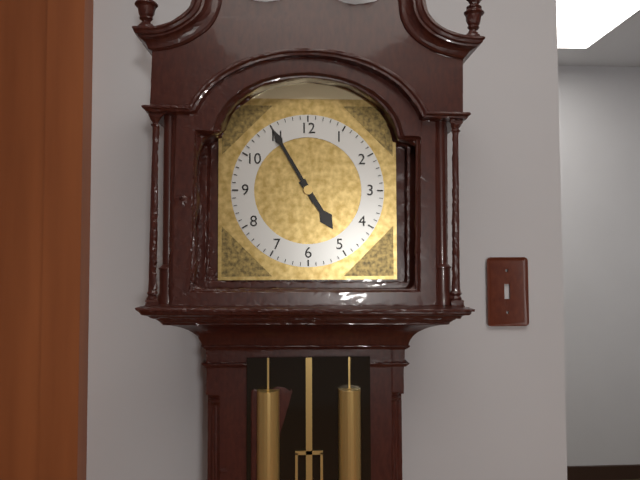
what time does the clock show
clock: 4:55
